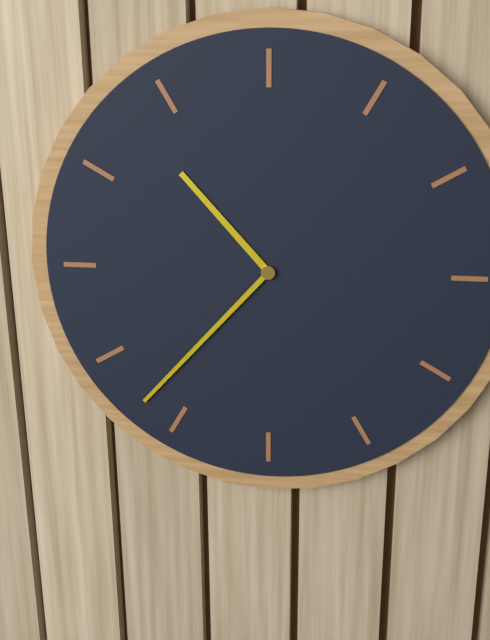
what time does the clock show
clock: 10:37
